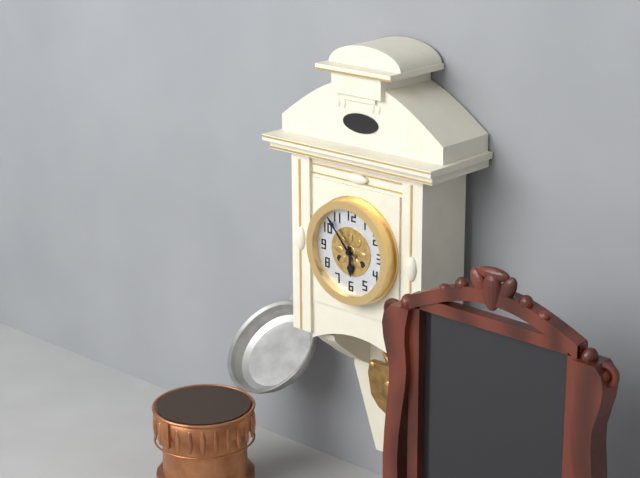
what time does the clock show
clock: 5:53
